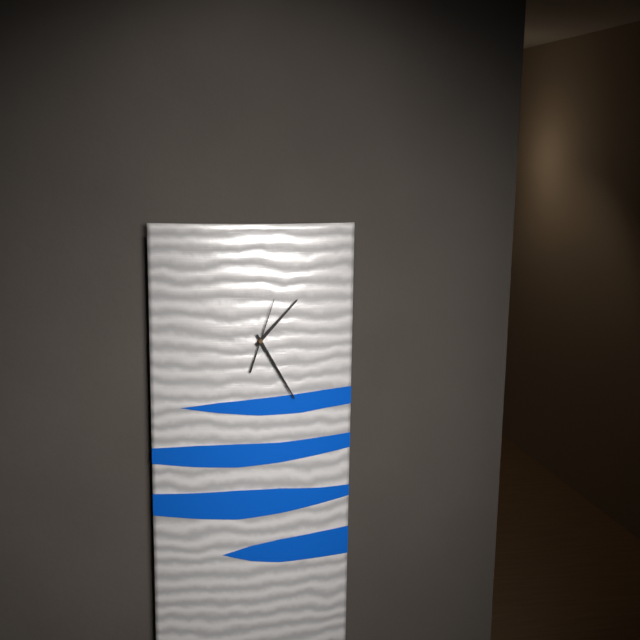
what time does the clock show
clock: 1:25:03
